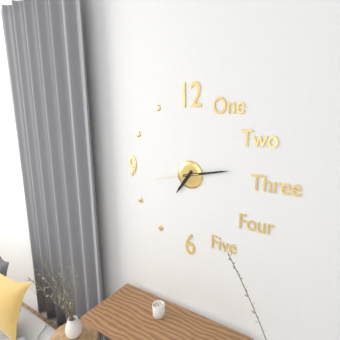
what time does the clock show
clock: 7:13
